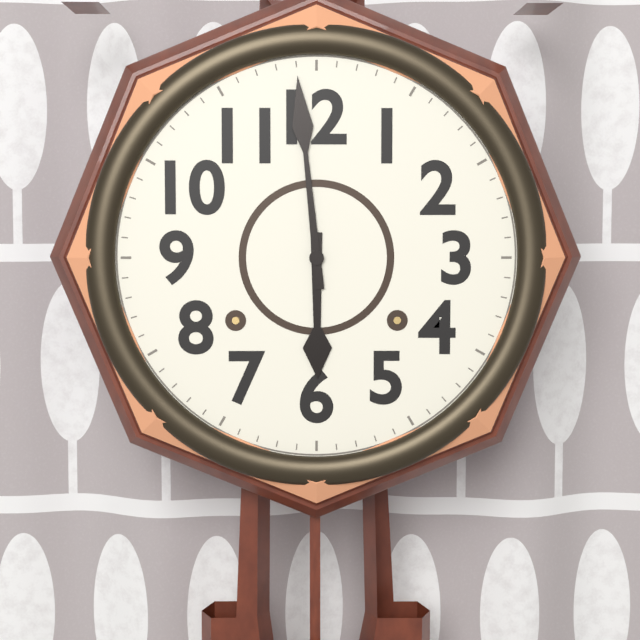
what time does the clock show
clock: 5:59
